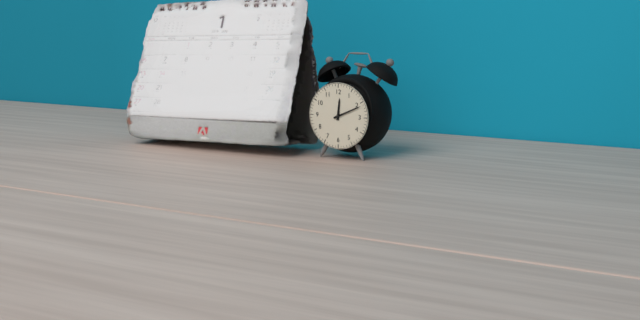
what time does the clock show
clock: 12:11
